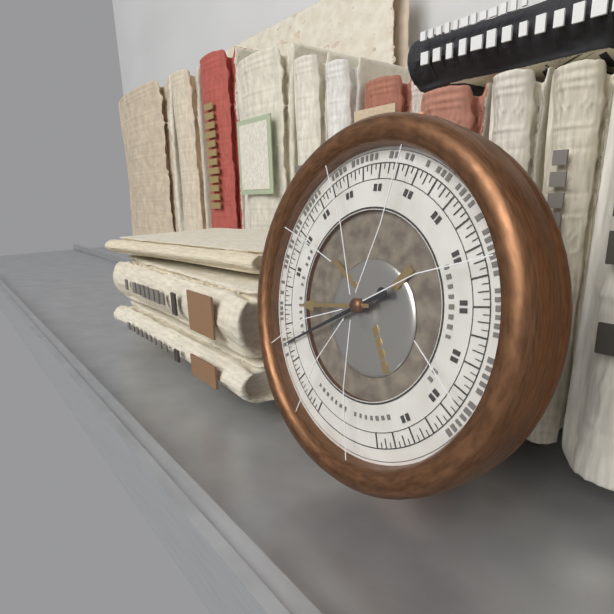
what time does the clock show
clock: 8:40
